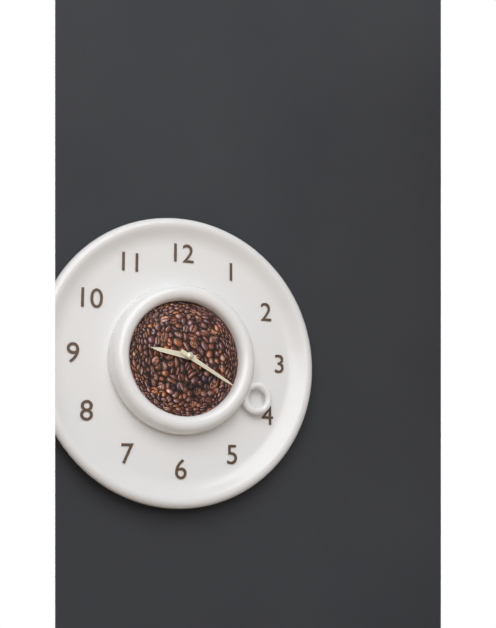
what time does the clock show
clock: 9:20
